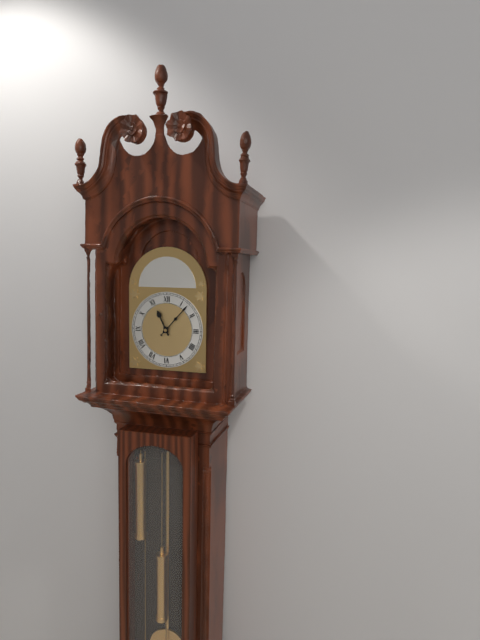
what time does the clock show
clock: 11:07
